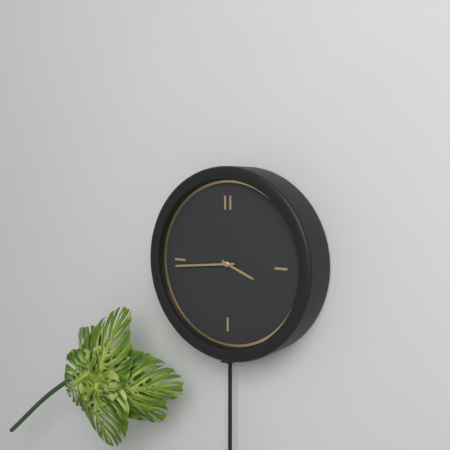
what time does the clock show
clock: 3:44
